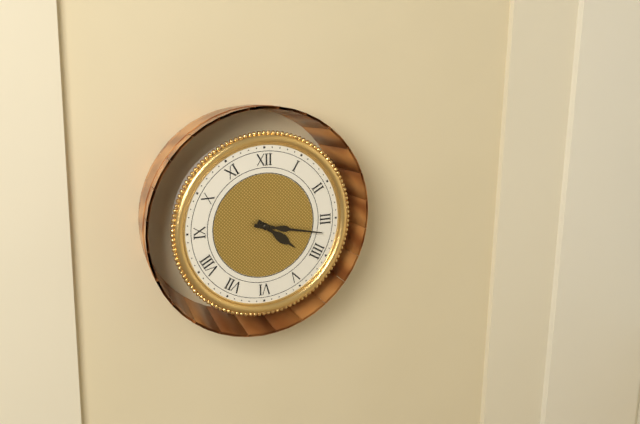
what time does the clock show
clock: 4:17
